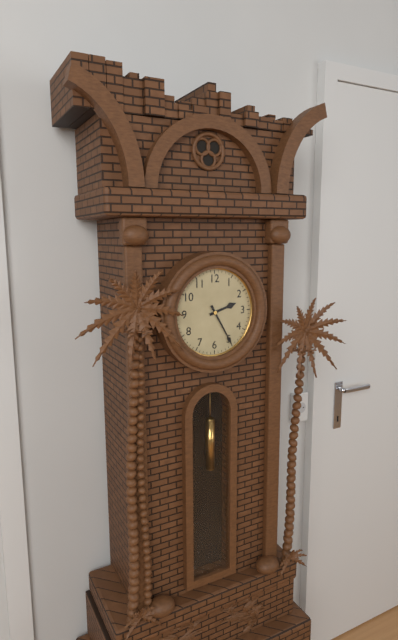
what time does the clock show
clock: 2:25
